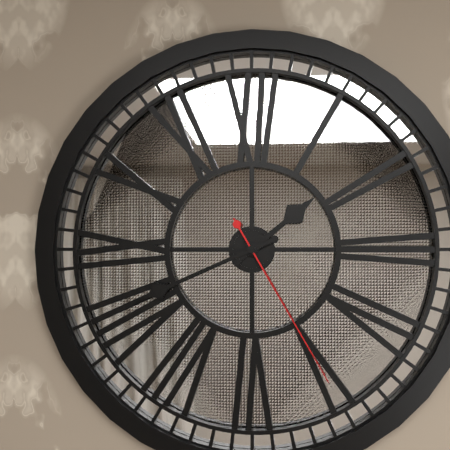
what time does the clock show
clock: 1:41:25
